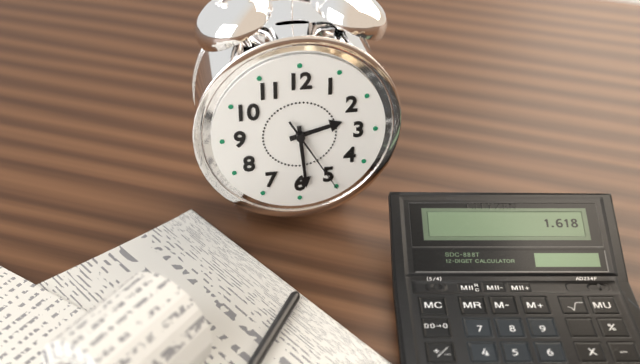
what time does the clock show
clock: 2:29:25
